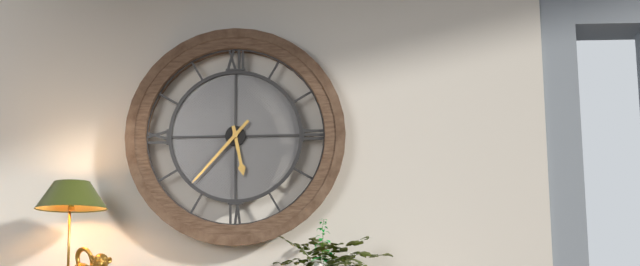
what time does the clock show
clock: 5:37
